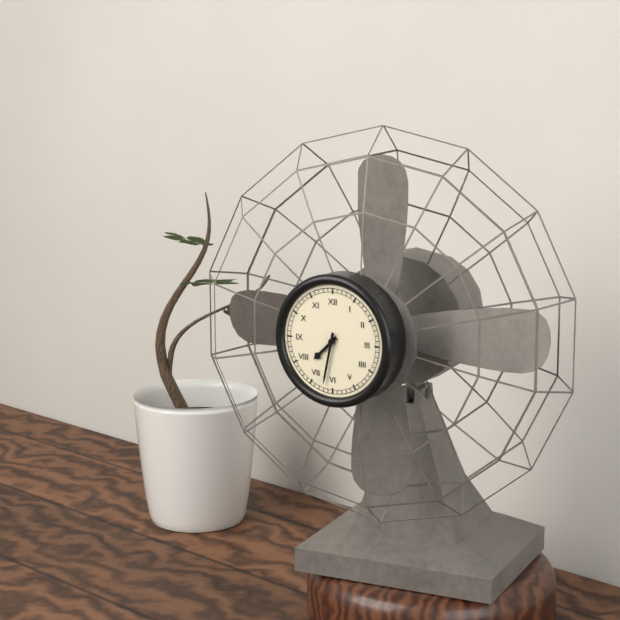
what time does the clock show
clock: 7:32
